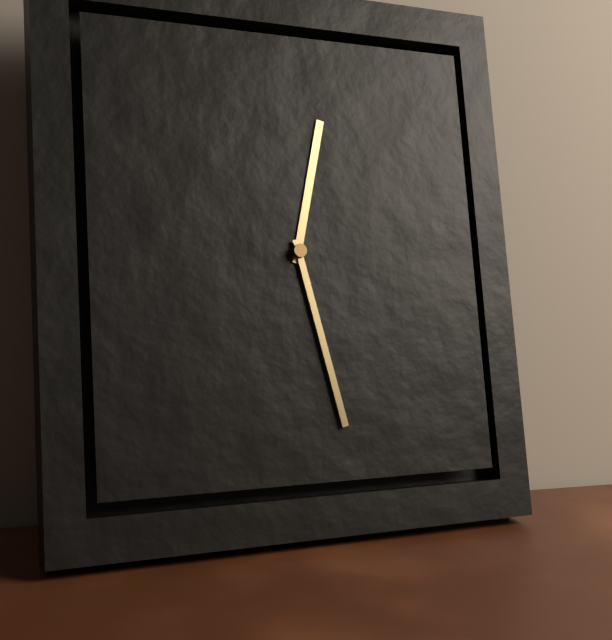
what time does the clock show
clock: 12:28
